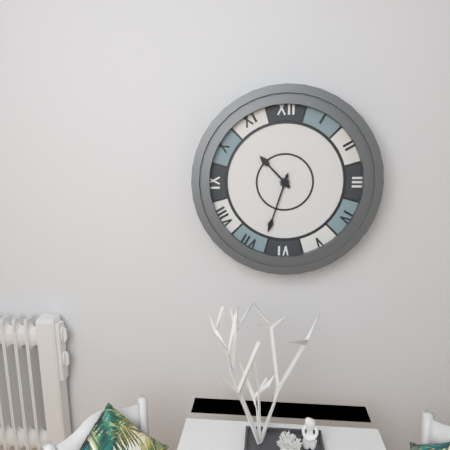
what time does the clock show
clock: 10:33
